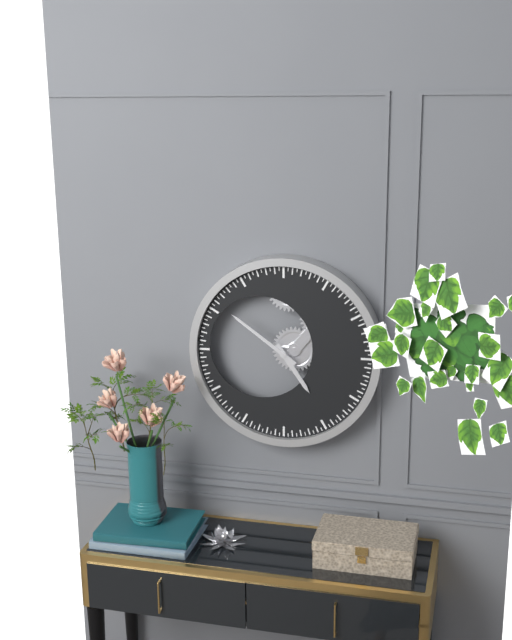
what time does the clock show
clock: 4:51
